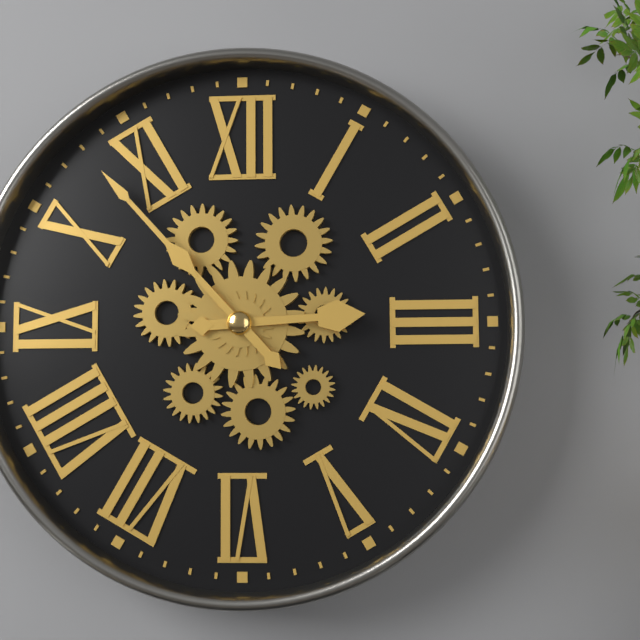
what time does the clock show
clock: 2:53
